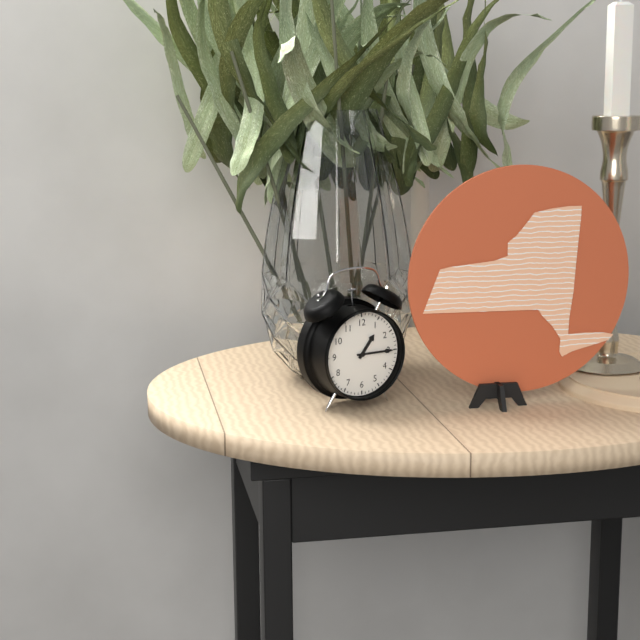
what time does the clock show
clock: 1:15
